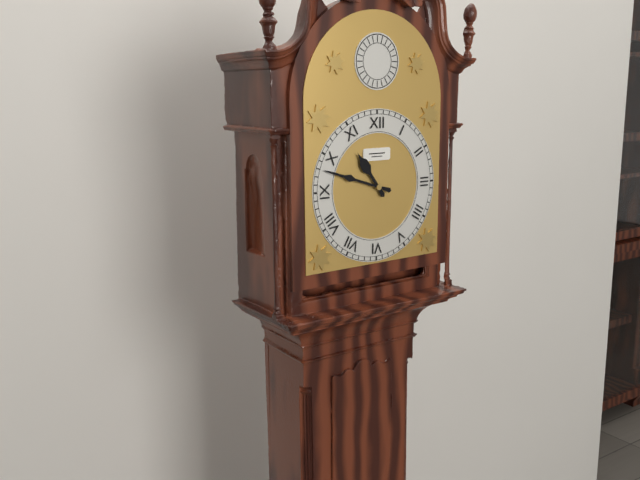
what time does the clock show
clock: 10:48
